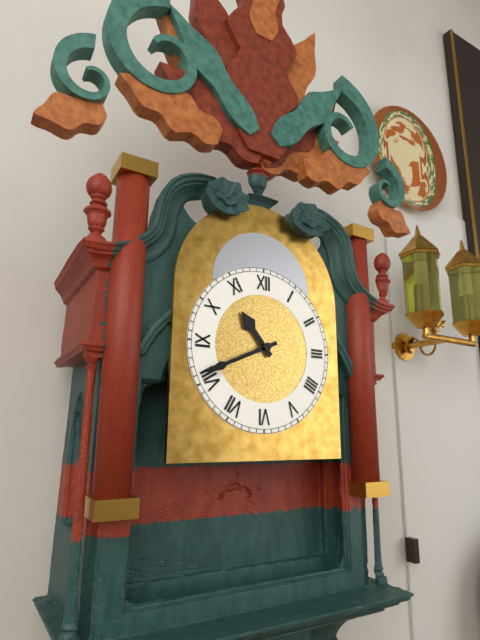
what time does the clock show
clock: 10:41
